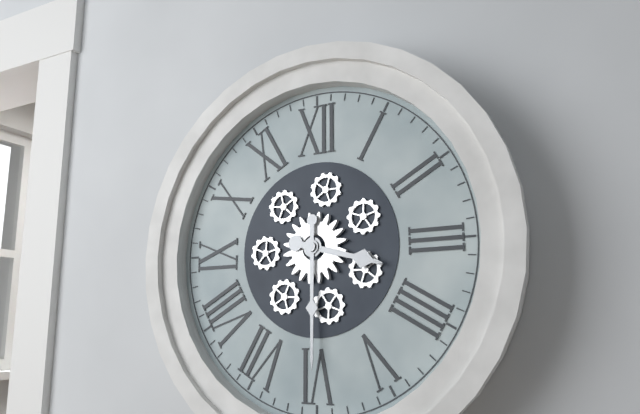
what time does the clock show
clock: 3:30
